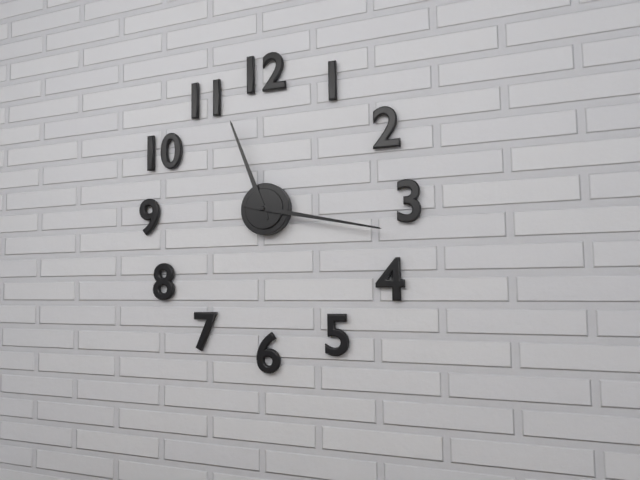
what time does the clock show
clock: 11:17
